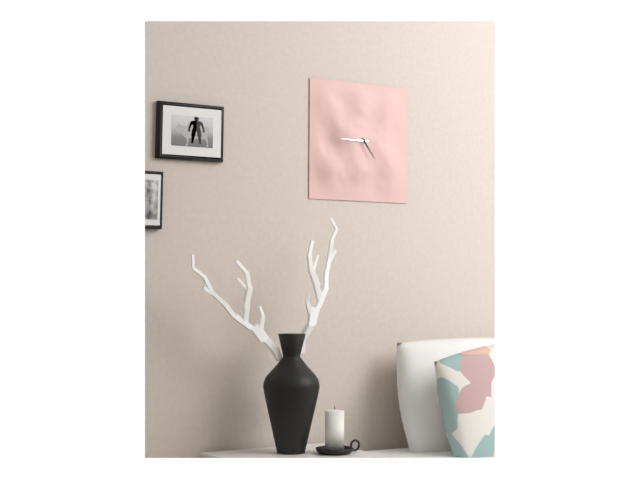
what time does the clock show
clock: 4:45
